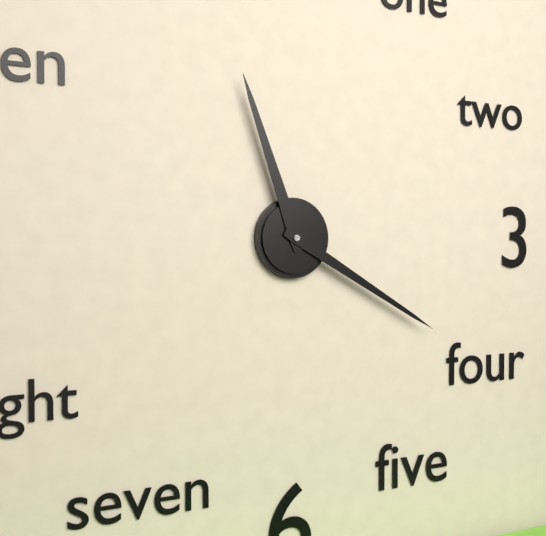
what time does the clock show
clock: 11:20
